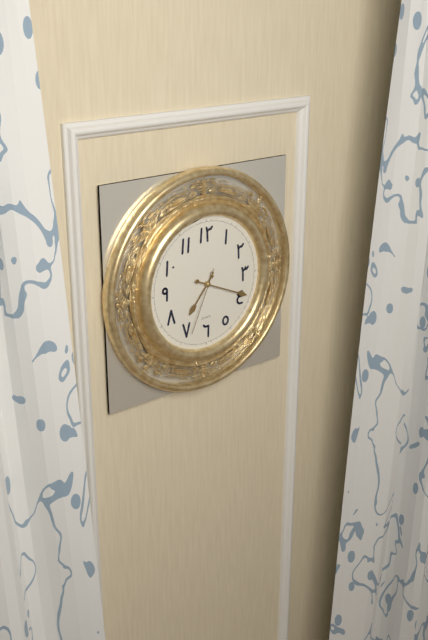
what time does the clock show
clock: 7:19:34
